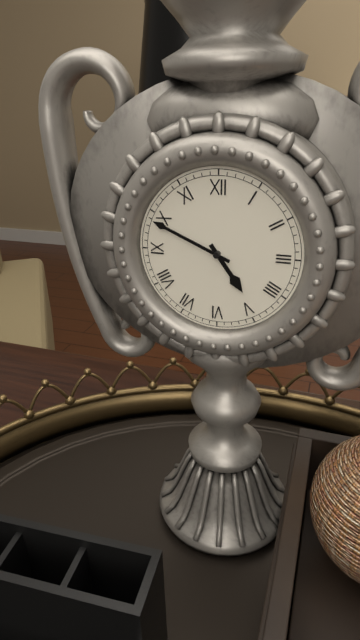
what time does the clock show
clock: 4:49
